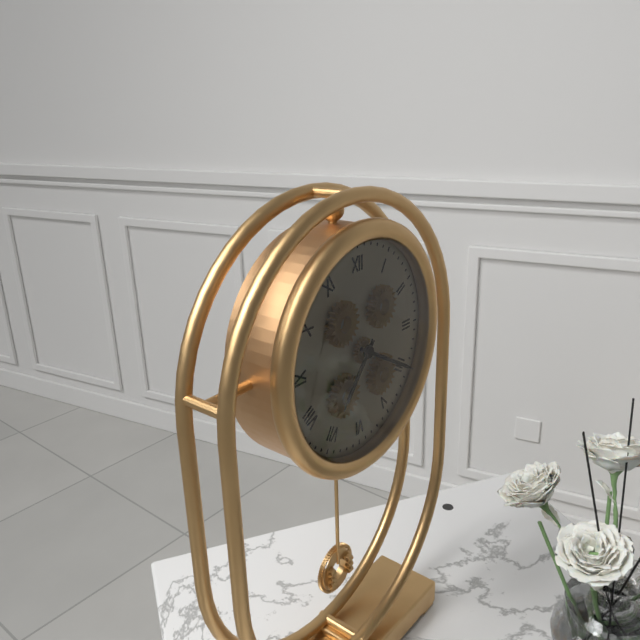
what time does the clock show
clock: 7:20
